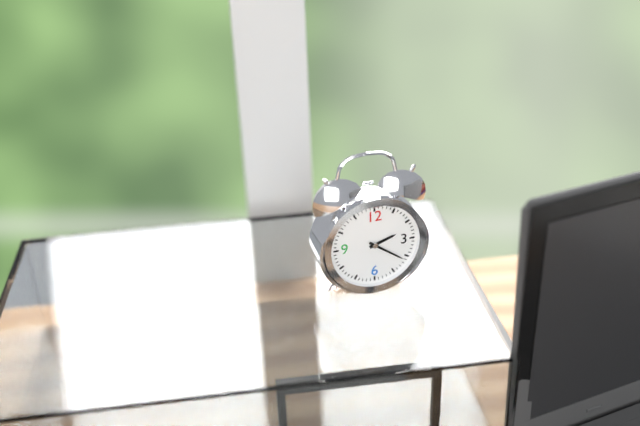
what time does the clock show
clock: 2:21
